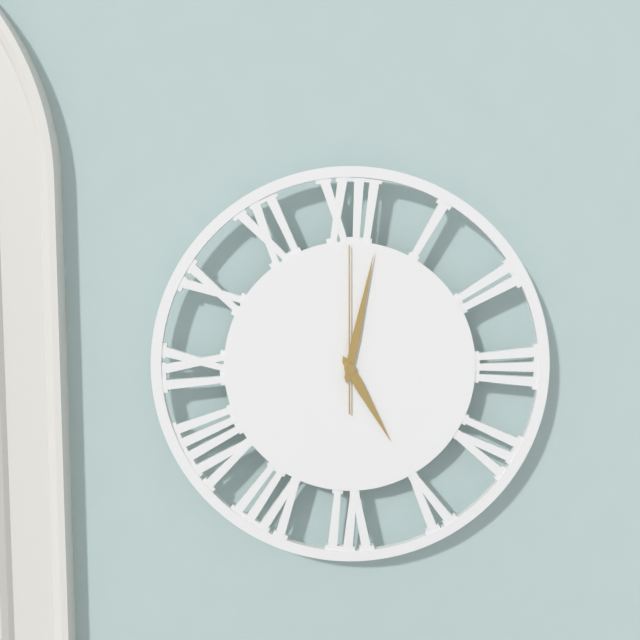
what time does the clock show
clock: 5:02:00
